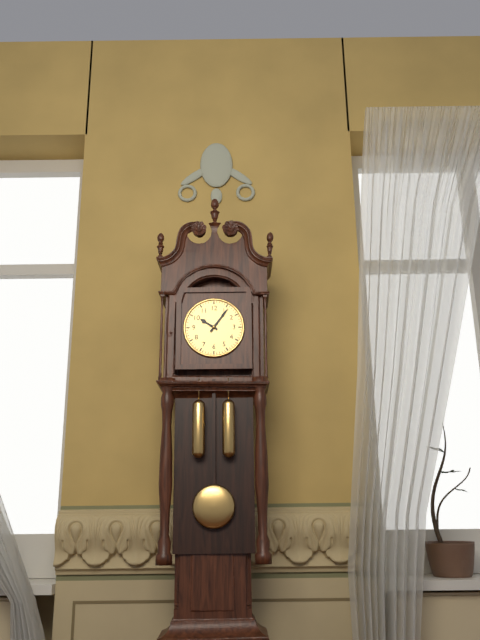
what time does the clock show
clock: 10:06
